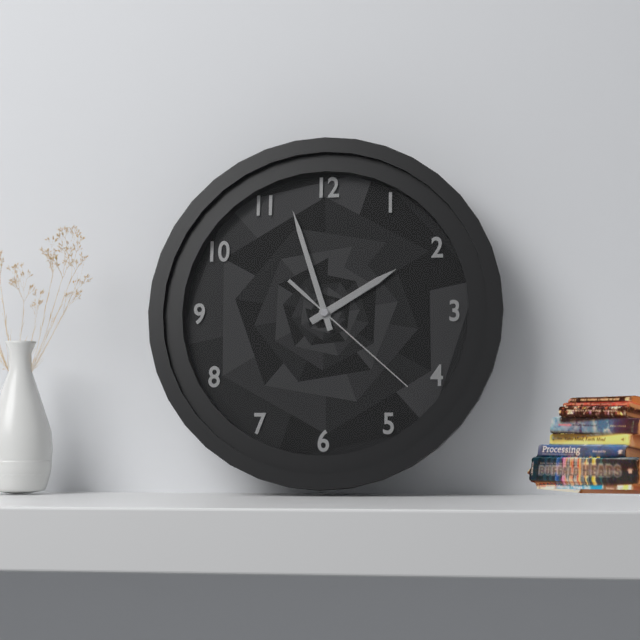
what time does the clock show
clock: 1:57:22
